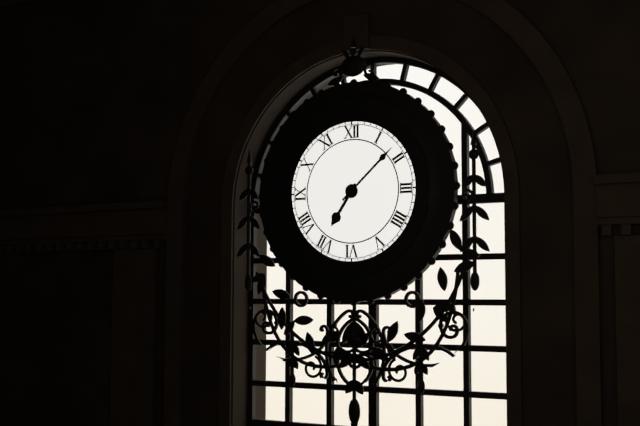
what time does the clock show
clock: 7:08
